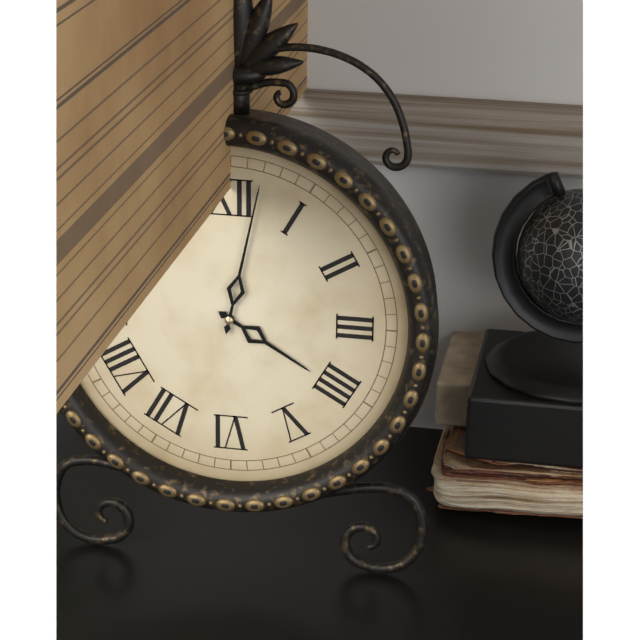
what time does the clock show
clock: 4:02
